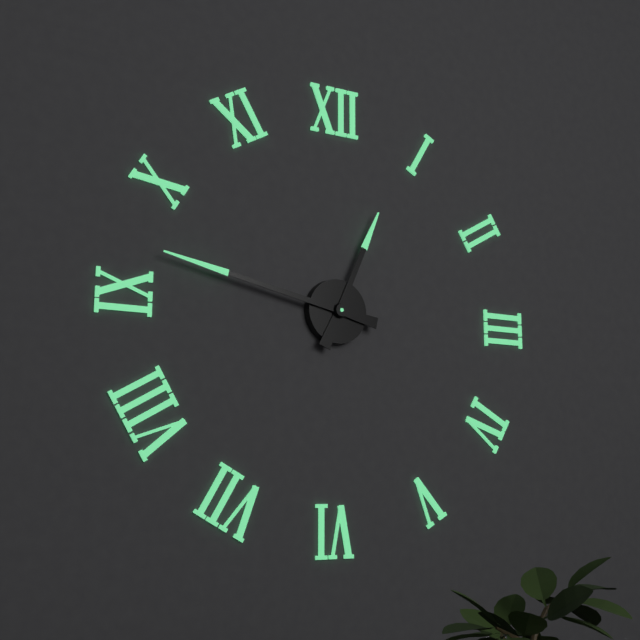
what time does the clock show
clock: 12:47
